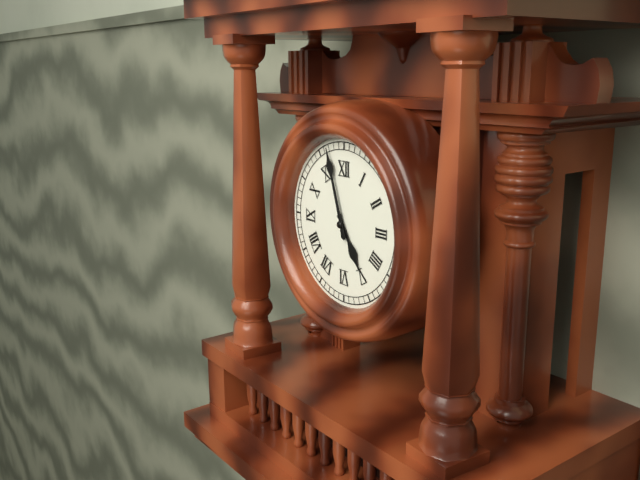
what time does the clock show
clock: 4:57
